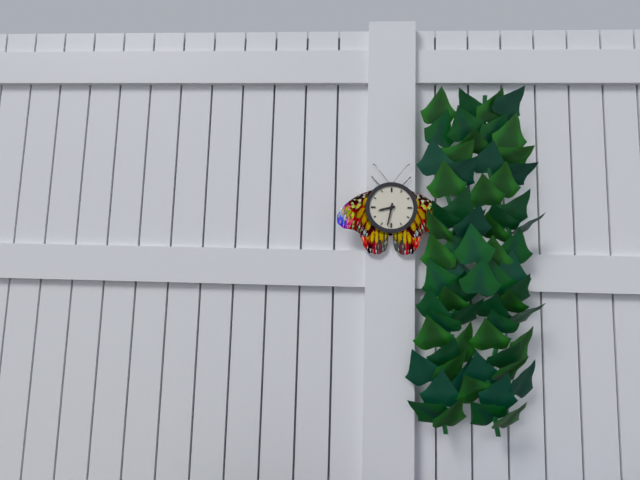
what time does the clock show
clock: 8:32
